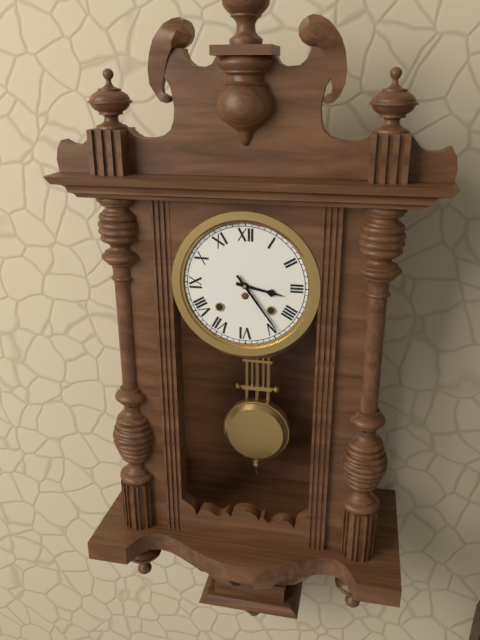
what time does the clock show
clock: 3:24
